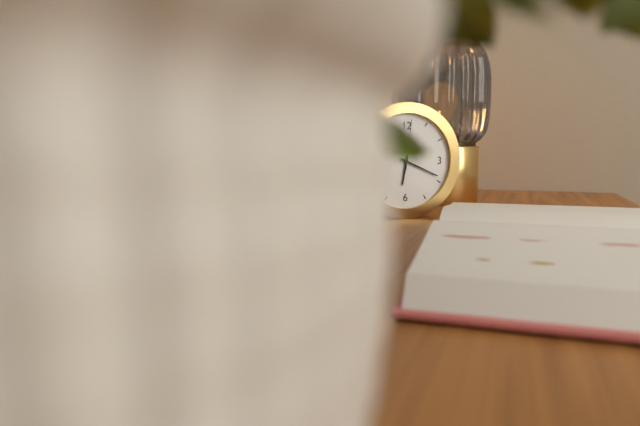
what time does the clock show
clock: 6:19:01
